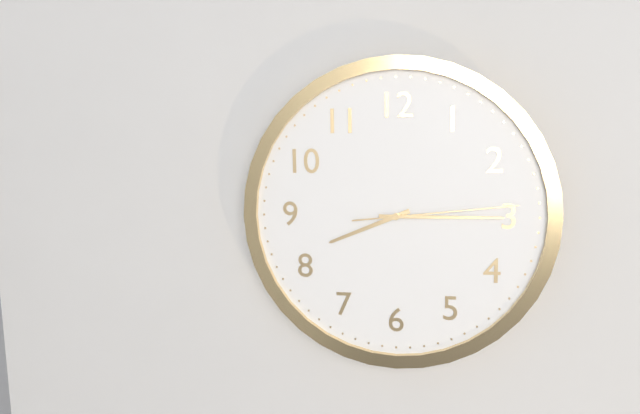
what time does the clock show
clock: 8:15:14
